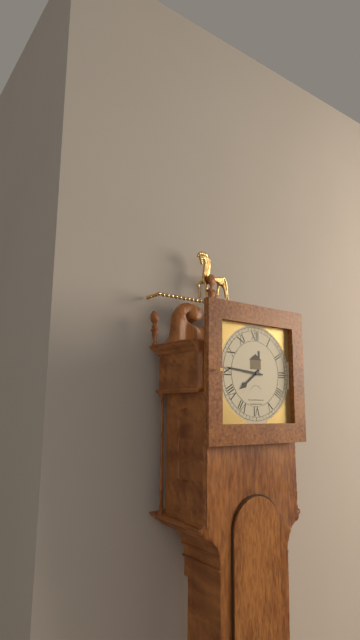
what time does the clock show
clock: 7:46
